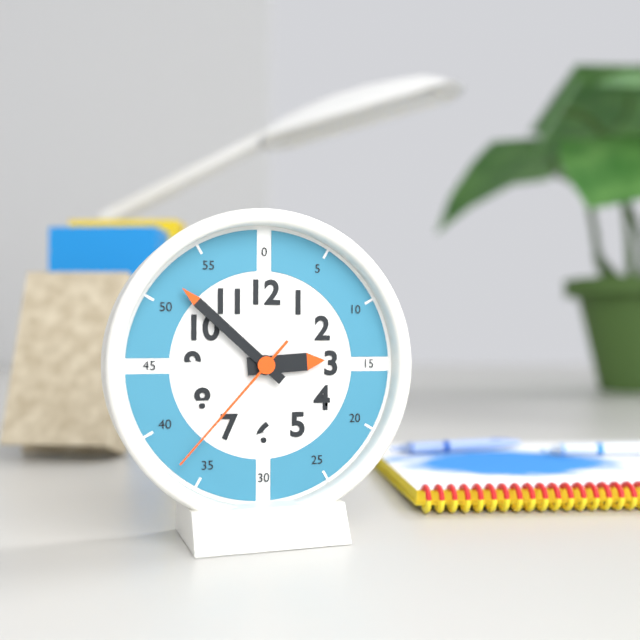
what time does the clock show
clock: 2:52:37
